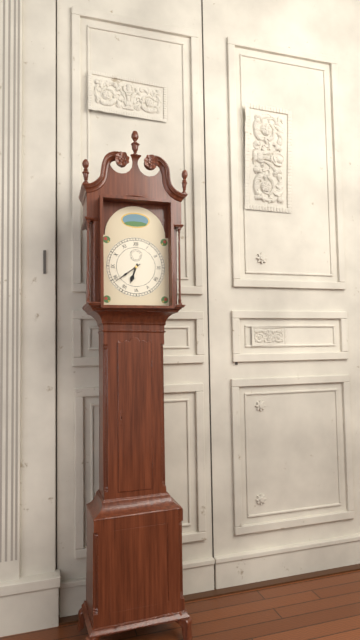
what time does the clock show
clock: 6:39
